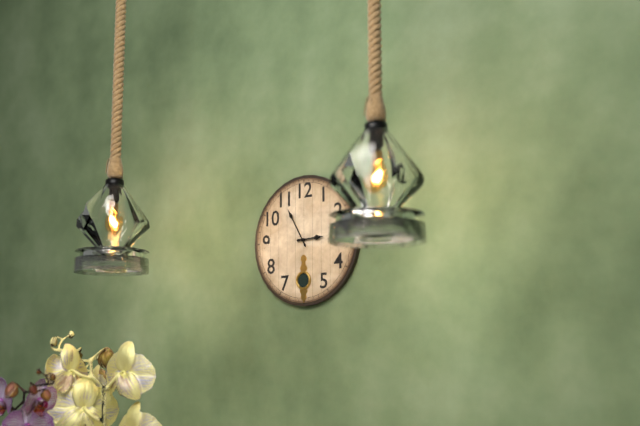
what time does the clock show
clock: 2:55
